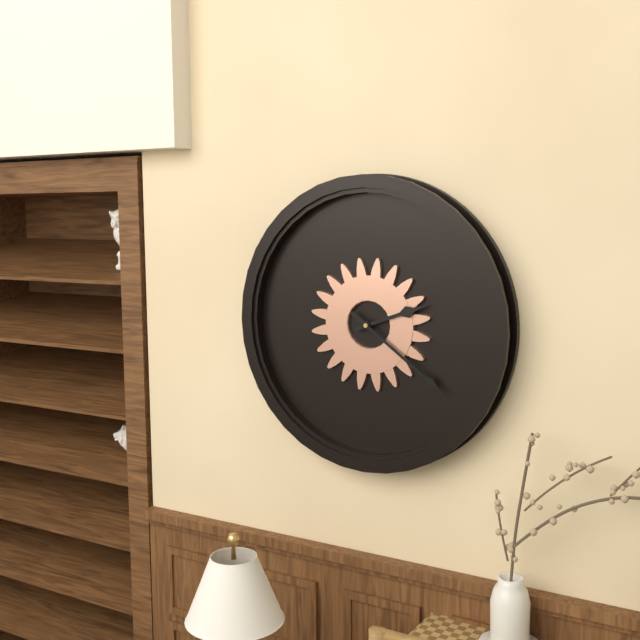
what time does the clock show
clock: 2:21
